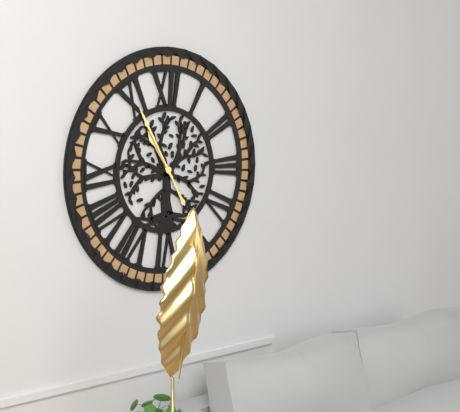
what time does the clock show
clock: 10:55
